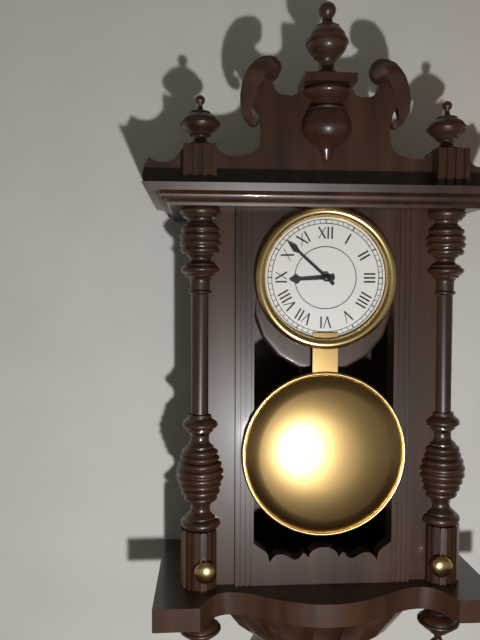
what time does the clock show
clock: 8:52
